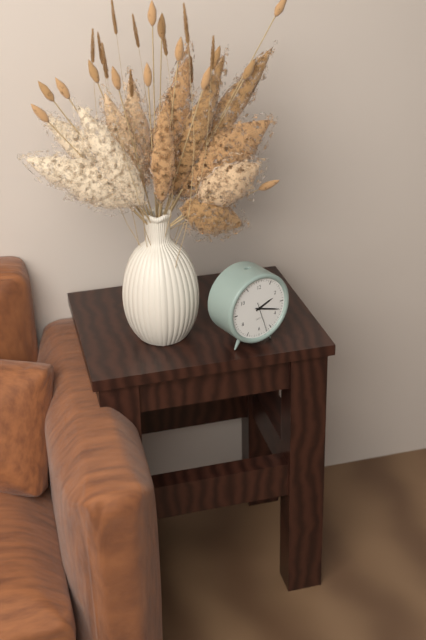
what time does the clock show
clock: 2:18
